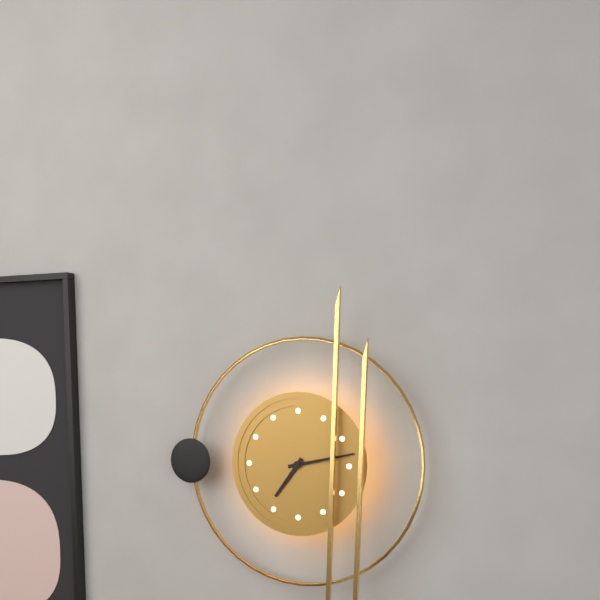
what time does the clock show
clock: 7:13
